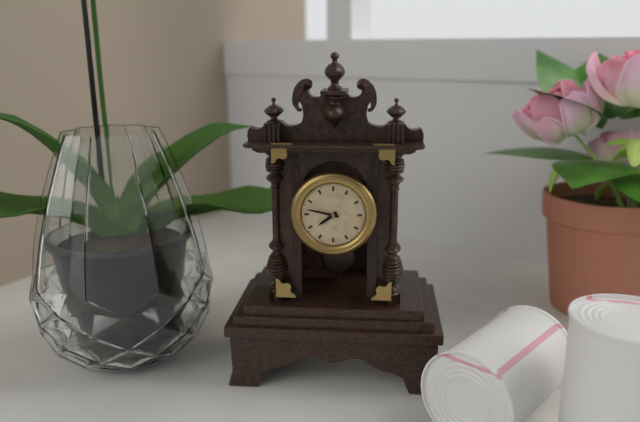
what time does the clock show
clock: 7:47
